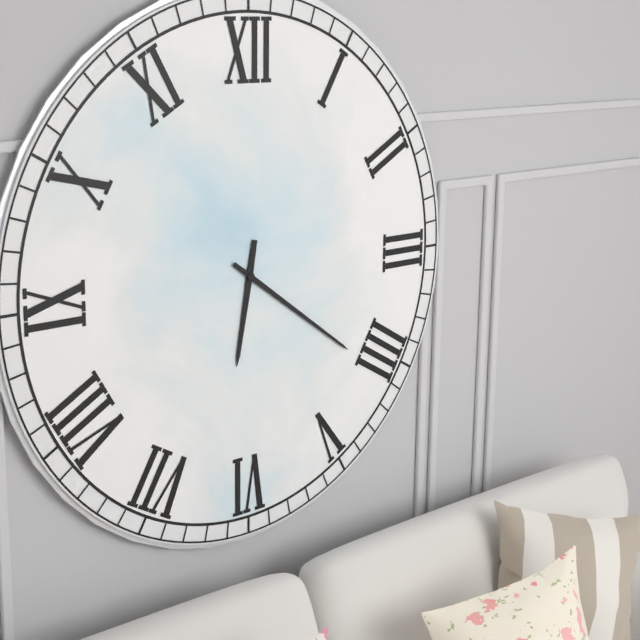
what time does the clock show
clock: 6:21
